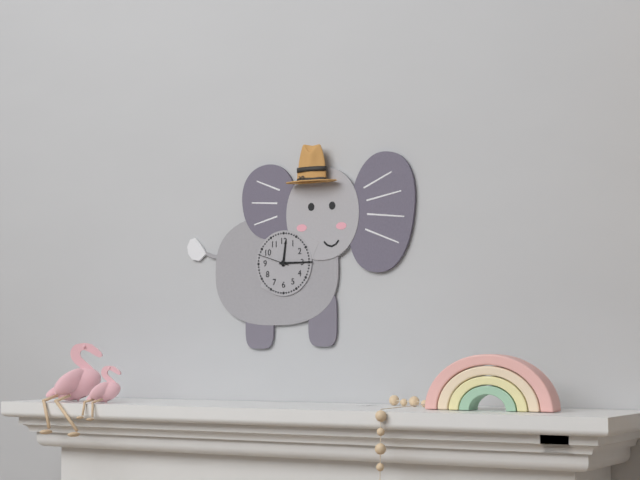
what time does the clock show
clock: 12:15
